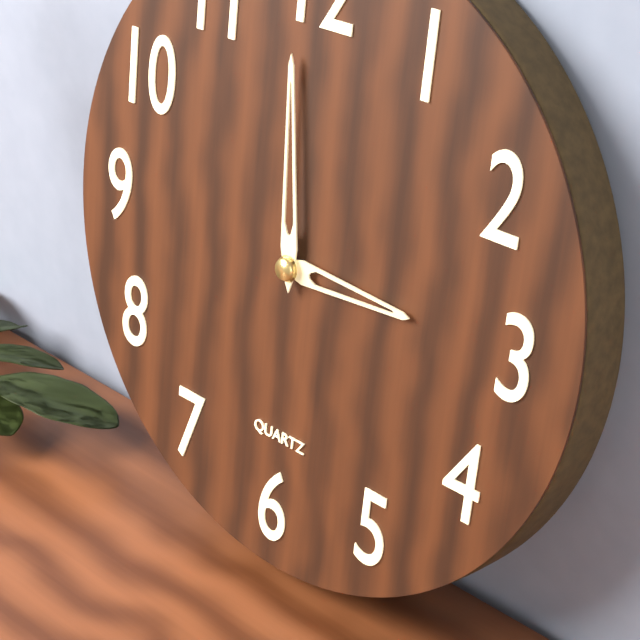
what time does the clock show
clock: 2:59
